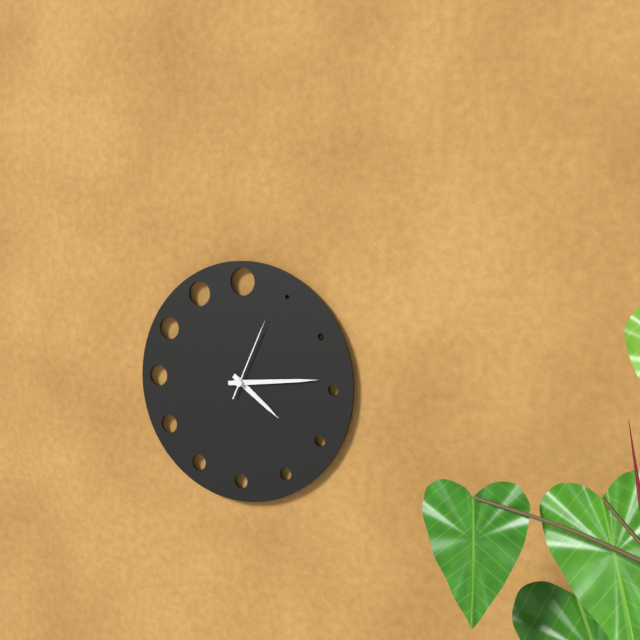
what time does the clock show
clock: 4:14:04
